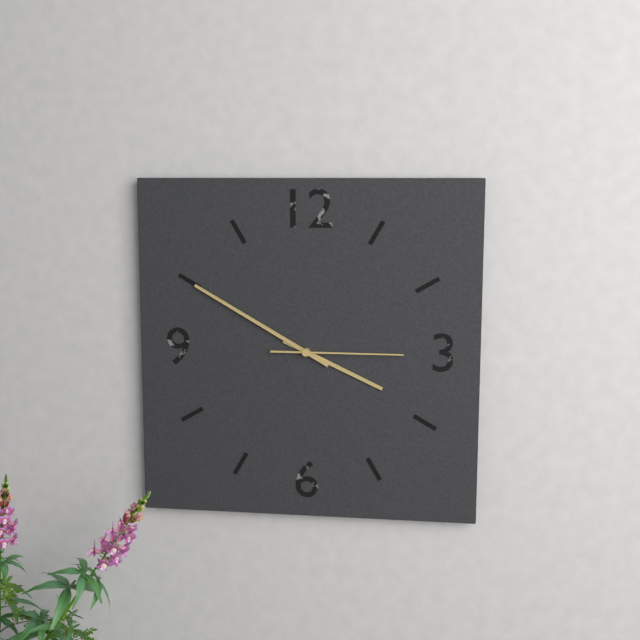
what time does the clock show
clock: 3:50:15
